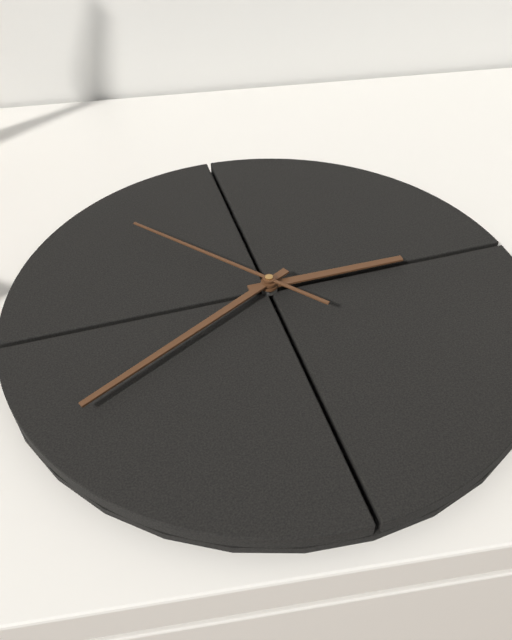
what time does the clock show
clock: 3:44:57
